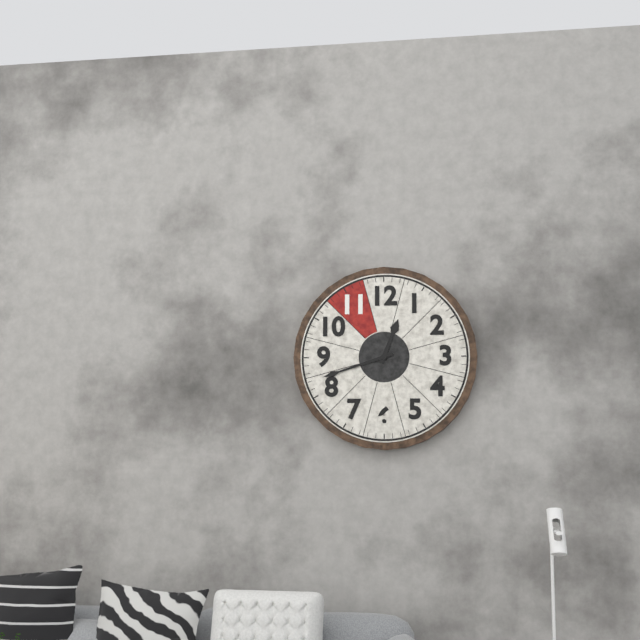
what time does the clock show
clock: 12:42
